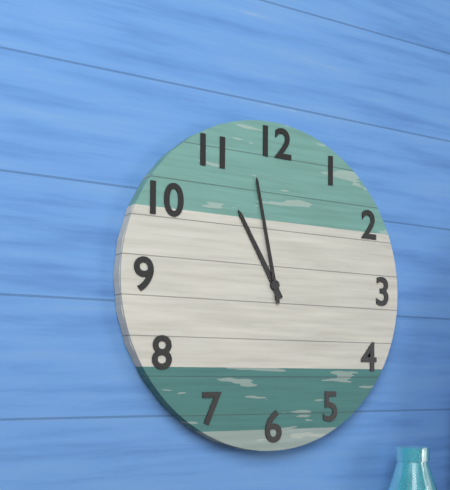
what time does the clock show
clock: 10:58
